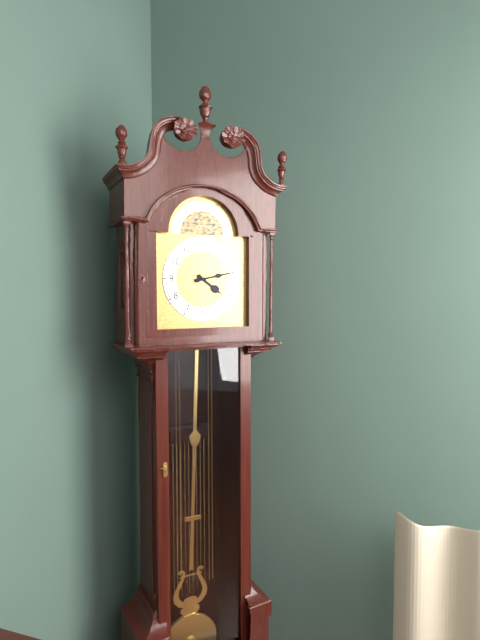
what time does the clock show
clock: 4:13
